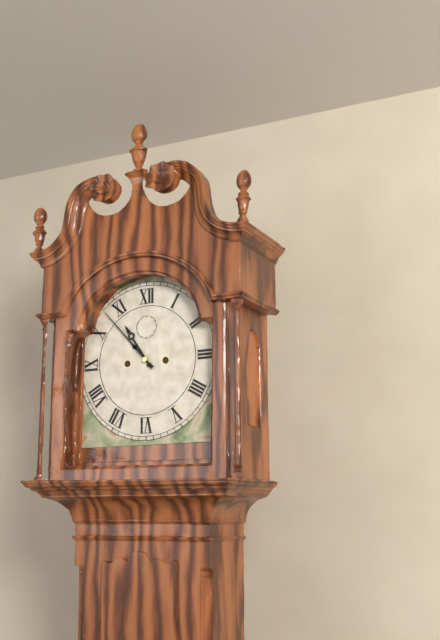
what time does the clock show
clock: 10:53
